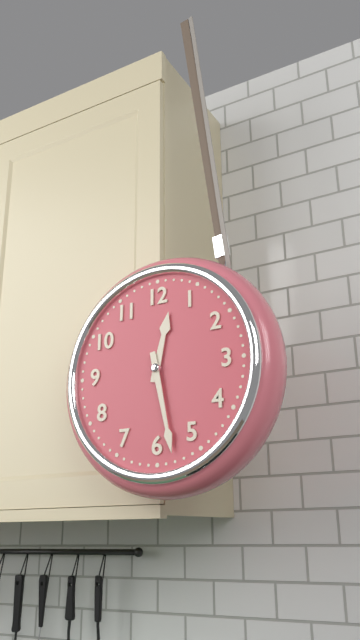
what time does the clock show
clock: 12:28
